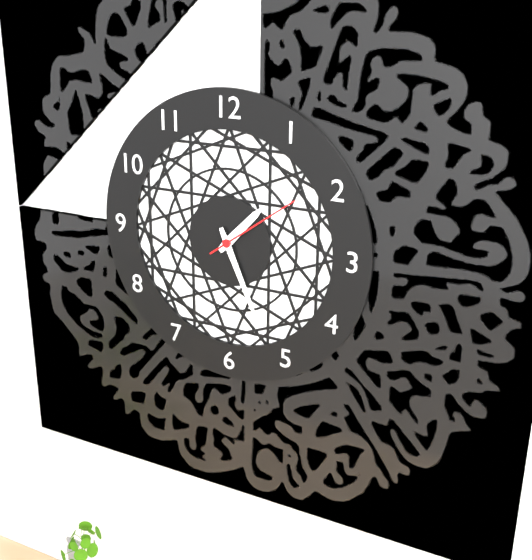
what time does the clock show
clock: 1:26:09
